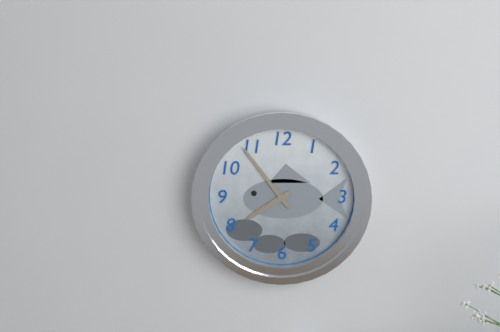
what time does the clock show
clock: 7:54
